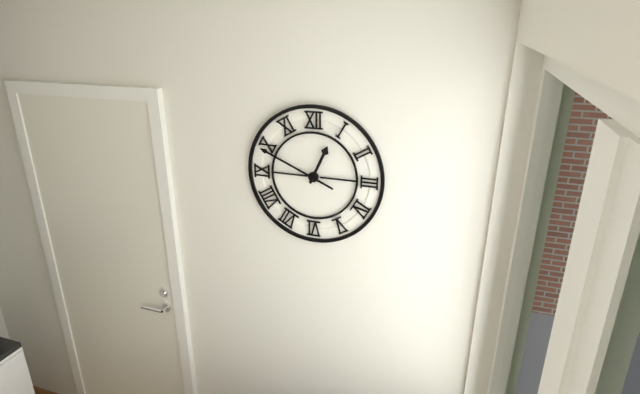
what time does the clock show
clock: 12:49
